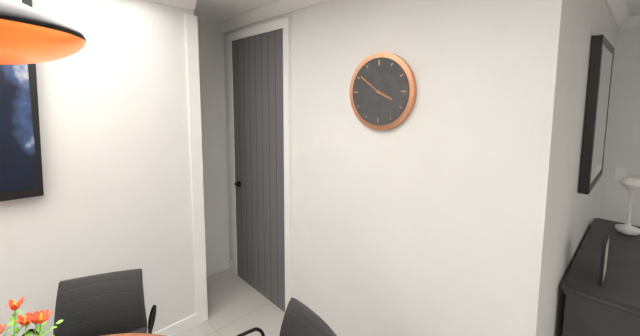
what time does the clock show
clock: 3:51
